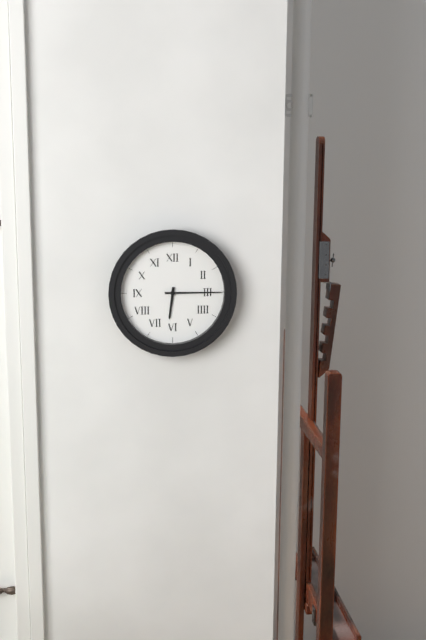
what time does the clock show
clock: 6:15
